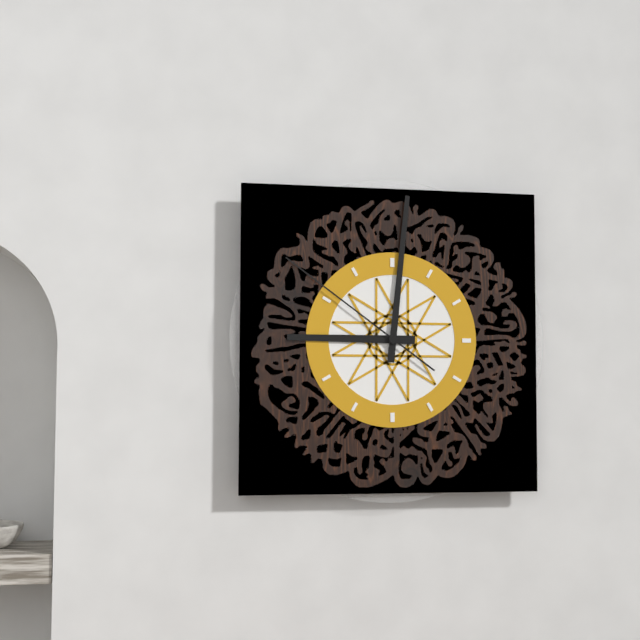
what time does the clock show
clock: 9:01:51
